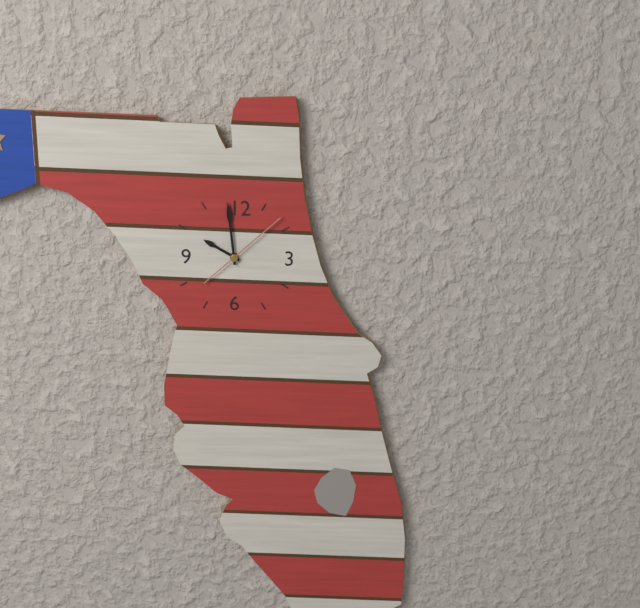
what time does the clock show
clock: 9:59:08
